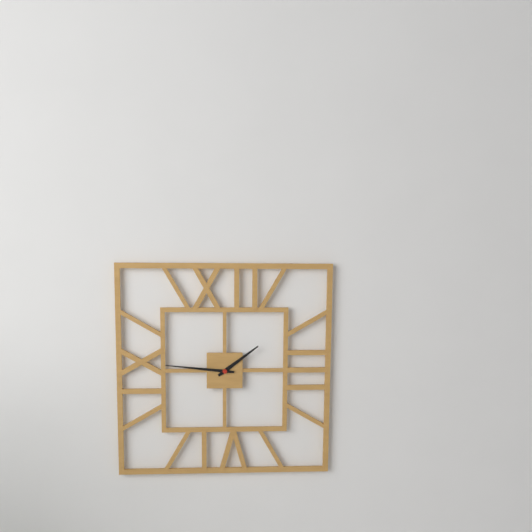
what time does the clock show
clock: 1:46
